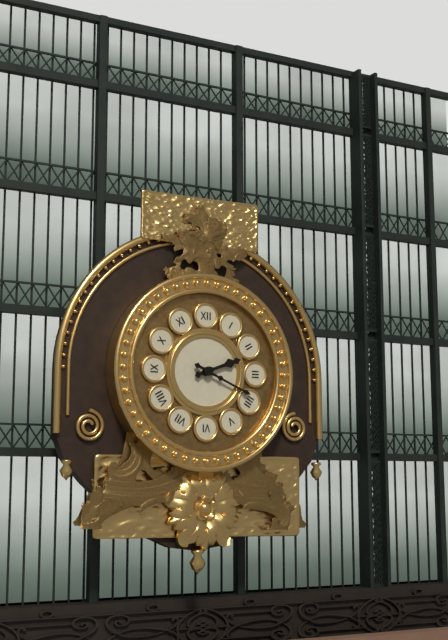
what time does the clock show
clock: 2:19
